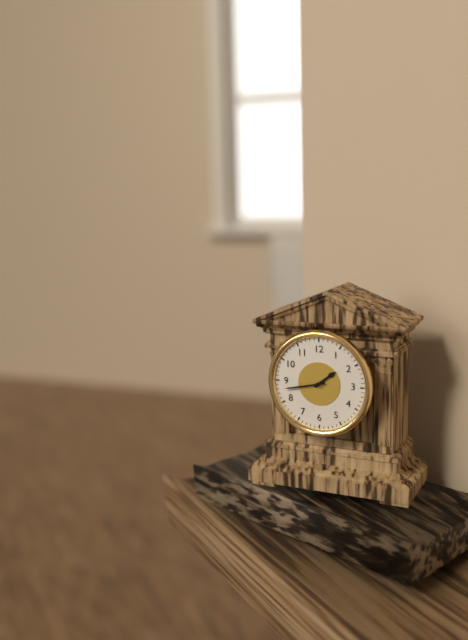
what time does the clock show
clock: 1:43
